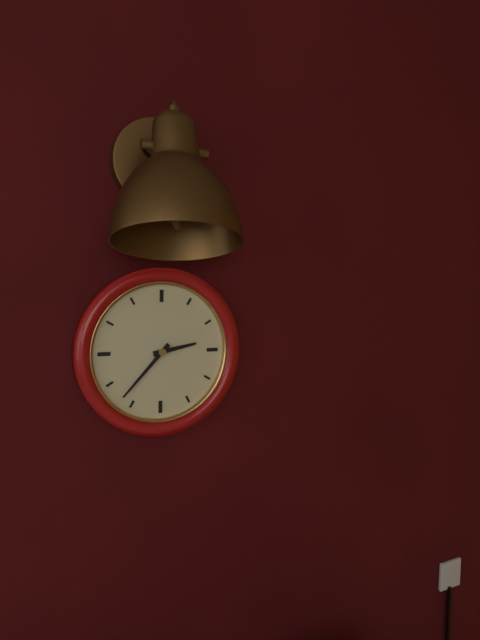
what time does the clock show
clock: 2:37
